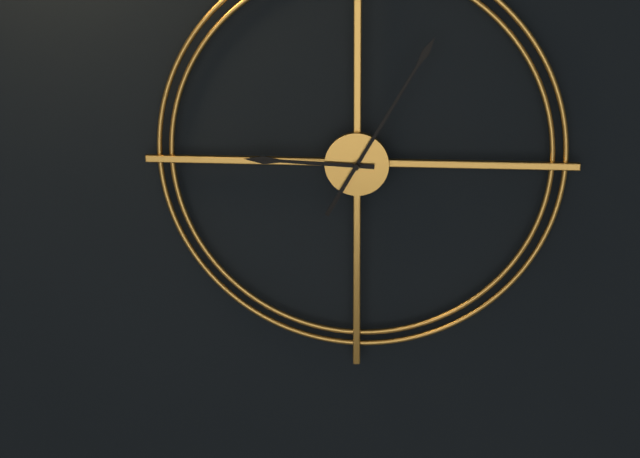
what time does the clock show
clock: 9:05
